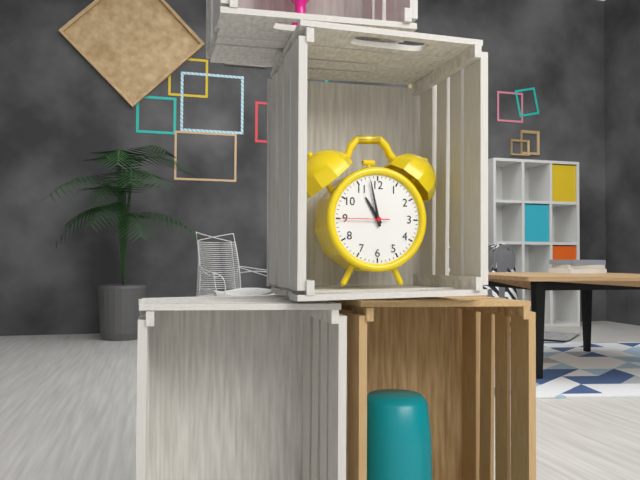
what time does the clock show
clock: 10:58:45
